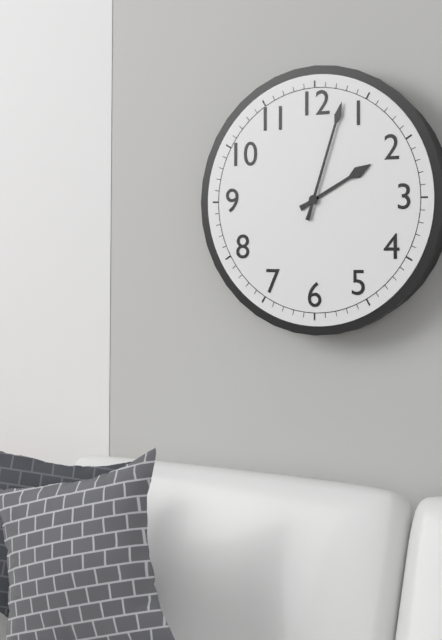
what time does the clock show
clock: 2:03
